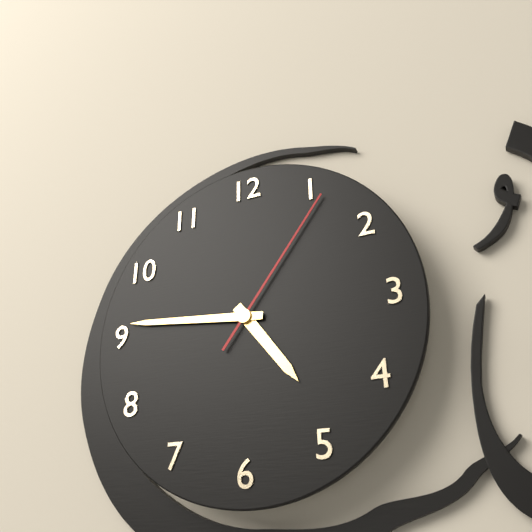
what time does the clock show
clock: 4:46:06
